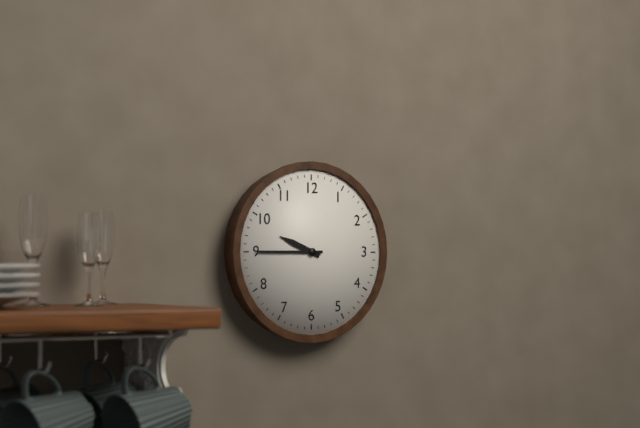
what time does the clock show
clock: 9:45
